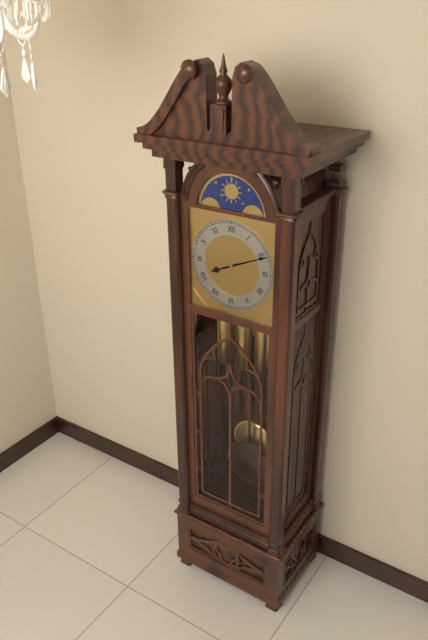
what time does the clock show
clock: 8:11
